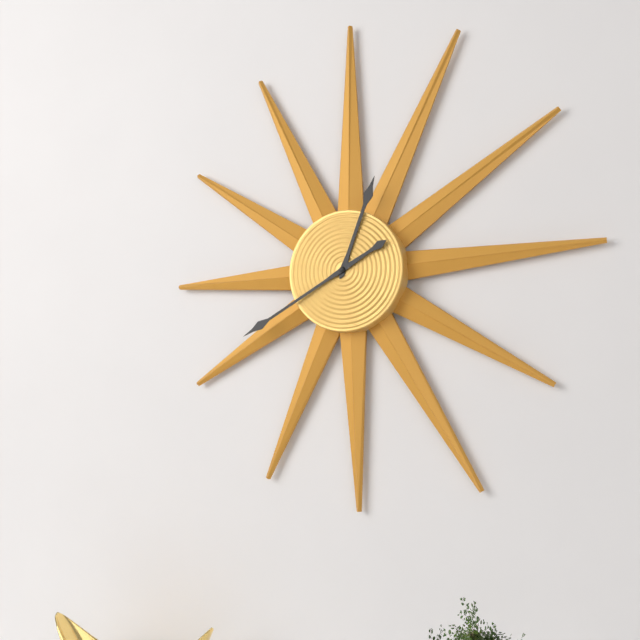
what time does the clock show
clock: 12:40
